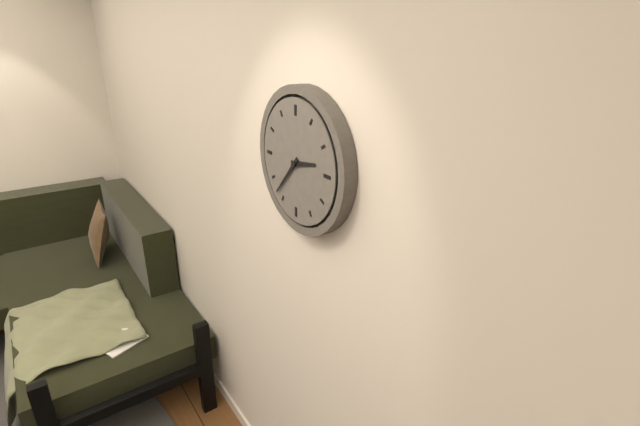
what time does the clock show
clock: 2:37
